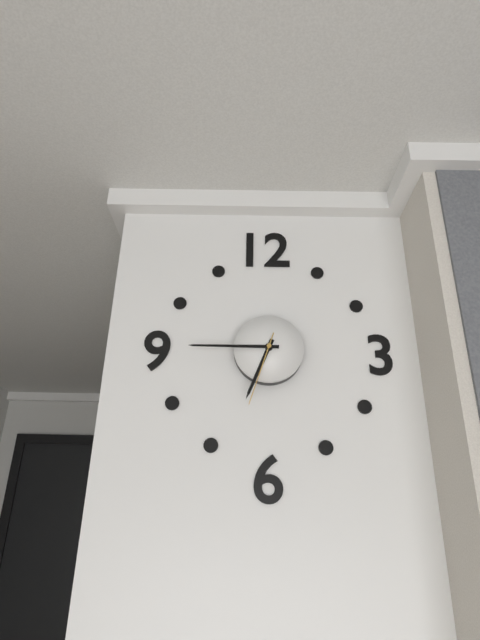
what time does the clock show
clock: 6:45:33
